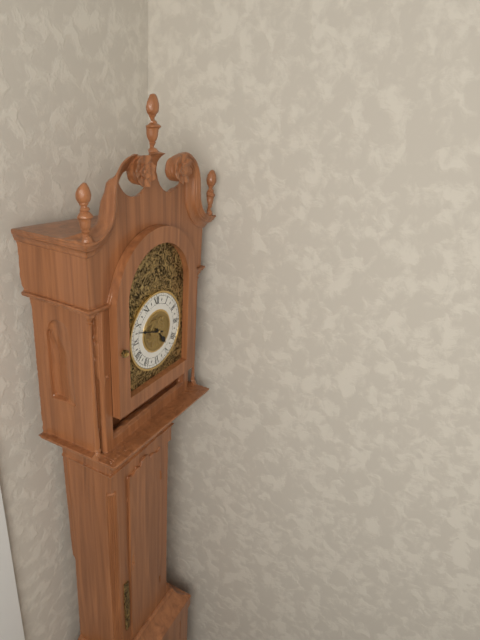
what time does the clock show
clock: 4:48
